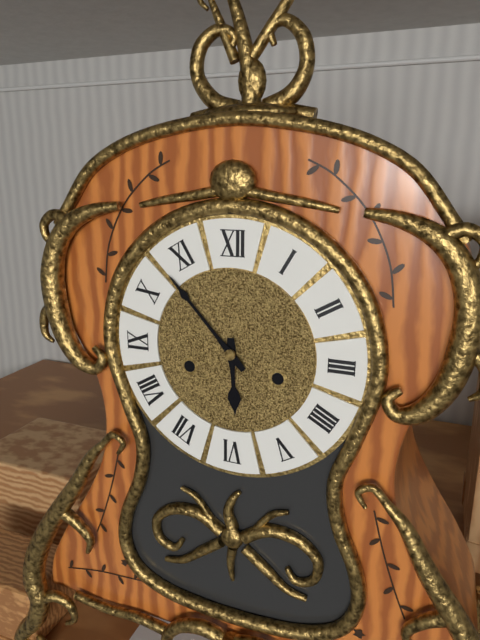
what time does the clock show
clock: 5:53
